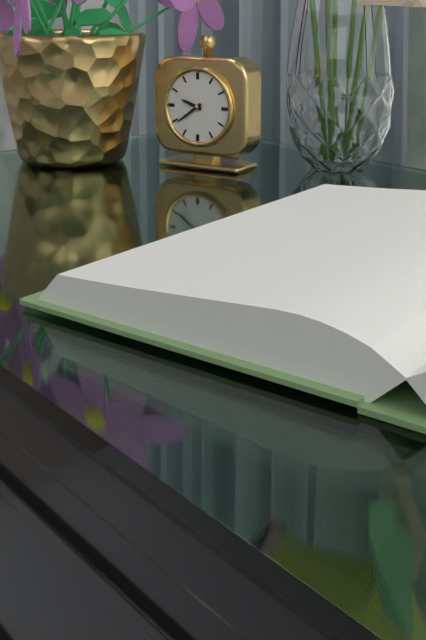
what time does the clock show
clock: 9:39
